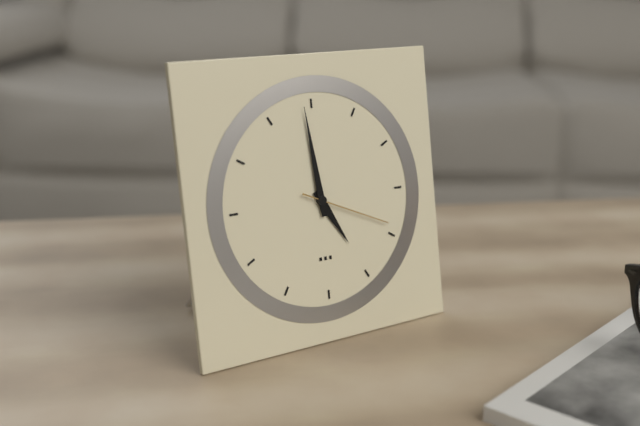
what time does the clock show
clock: 4:59:19
